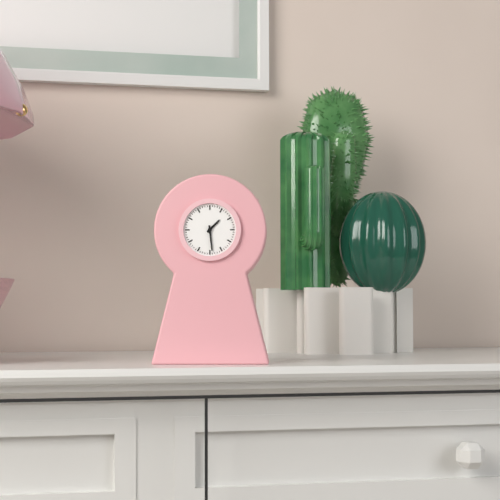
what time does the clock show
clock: 1:29
